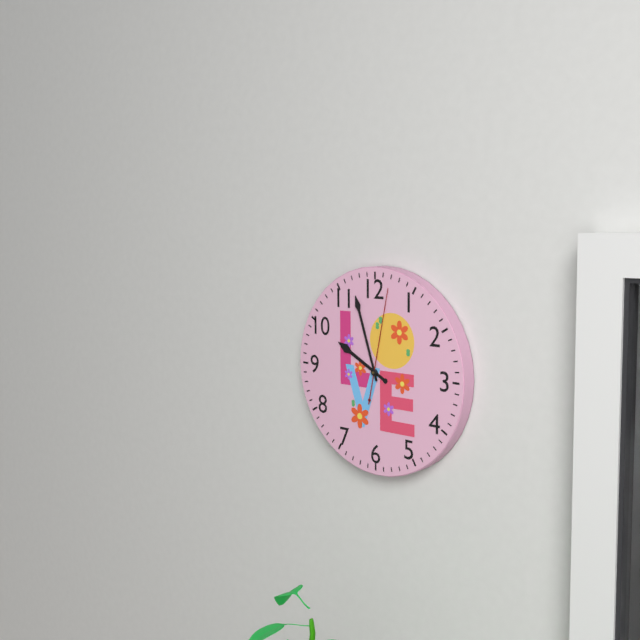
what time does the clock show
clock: 9:57:02
